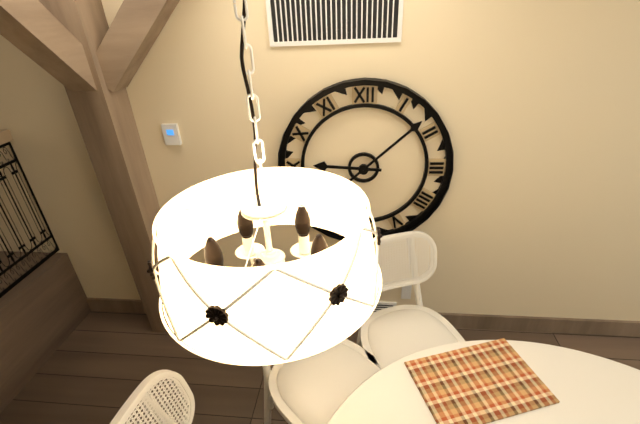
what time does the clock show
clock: 9:08
